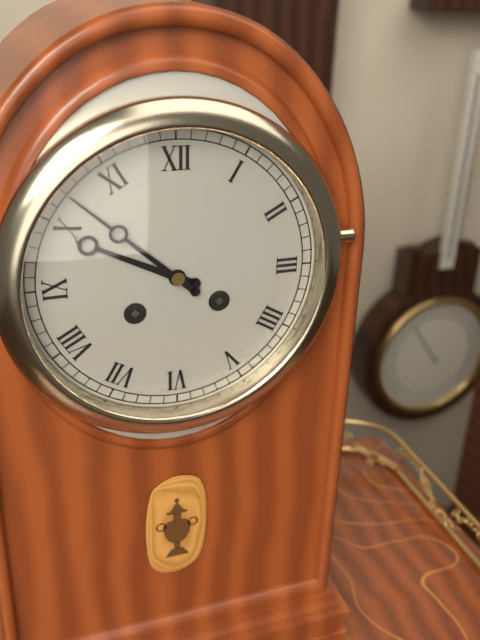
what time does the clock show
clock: 9:52
